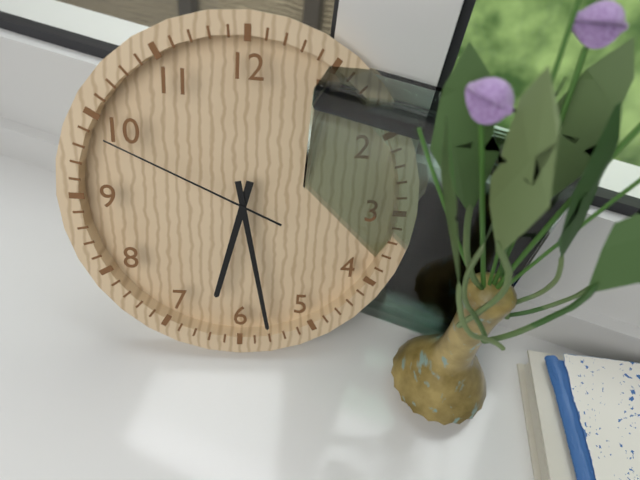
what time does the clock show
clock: 6:28:49
